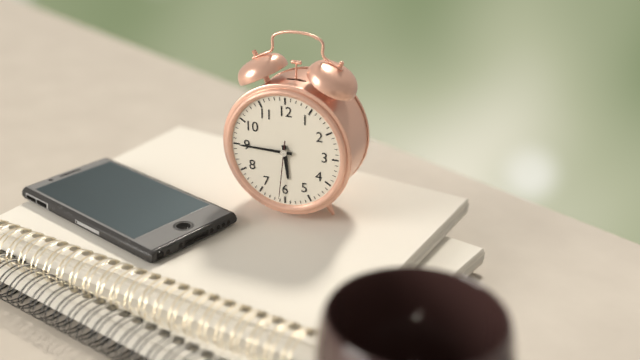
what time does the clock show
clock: 5:45:31
